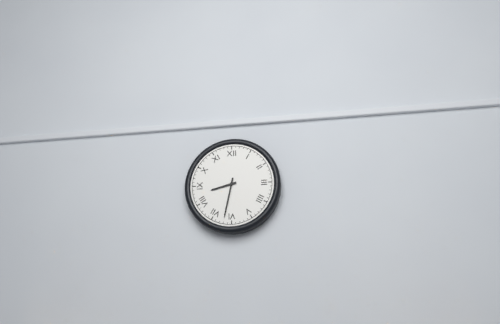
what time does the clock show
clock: 8:32
